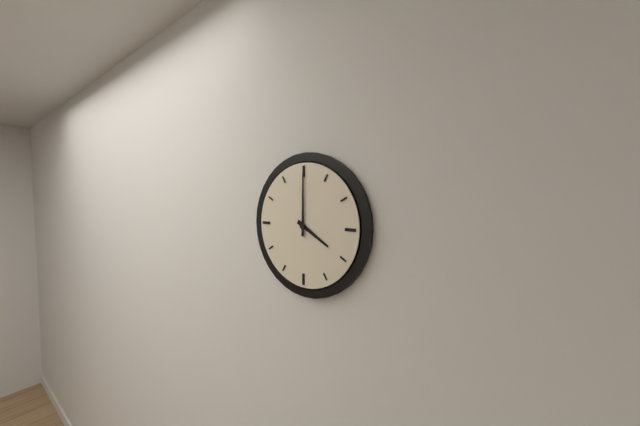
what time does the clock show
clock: 4:00
